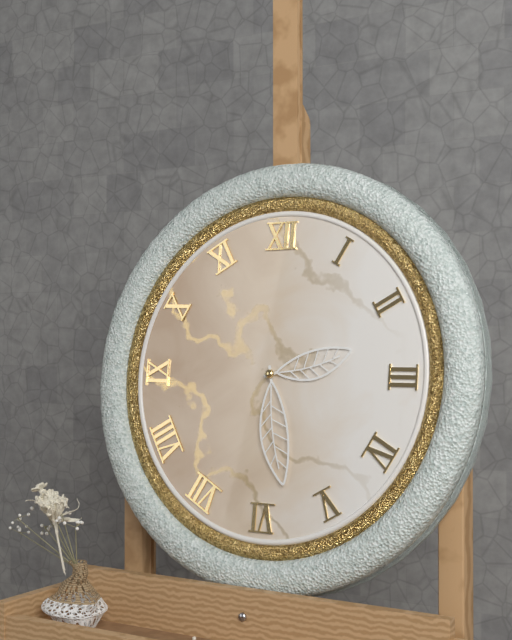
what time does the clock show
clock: 2:28
